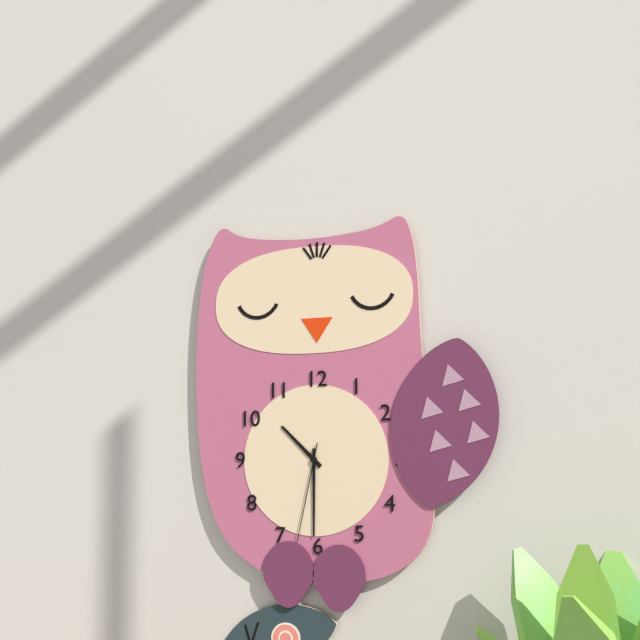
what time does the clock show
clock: 10:30:32
